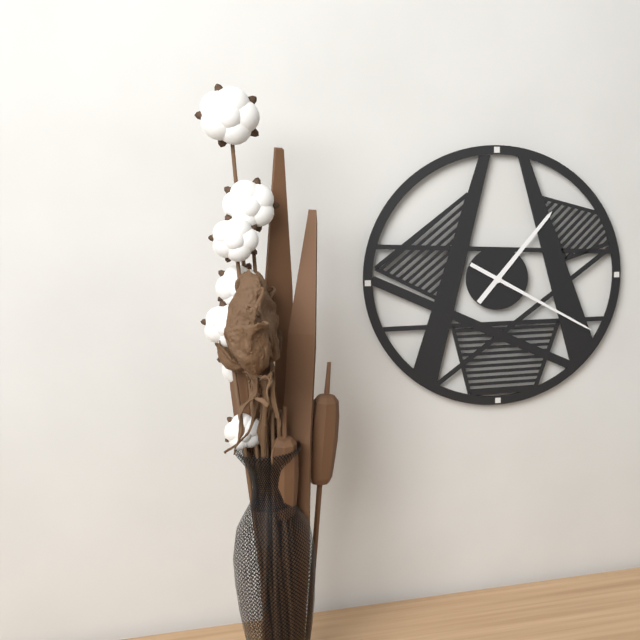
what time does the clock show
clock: 1:20
